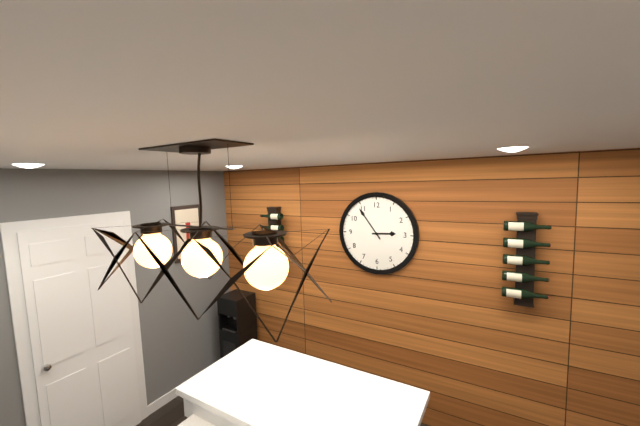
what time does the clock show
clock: 2:54
